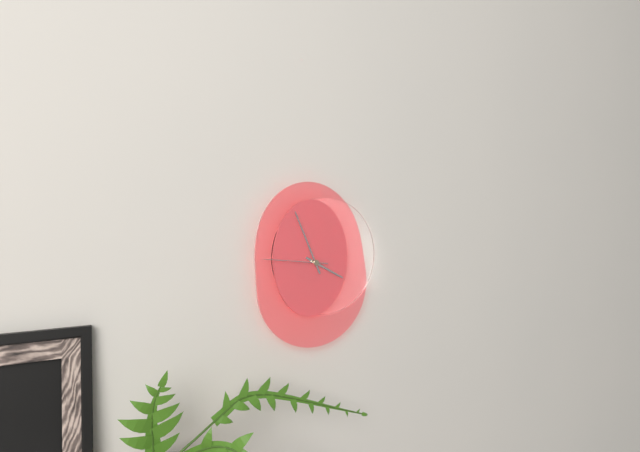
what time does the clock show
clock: 3:56:46
